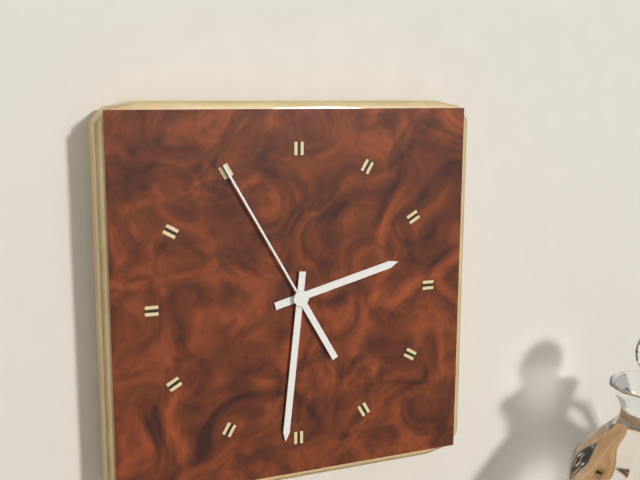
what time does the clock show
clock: 2:31:55
